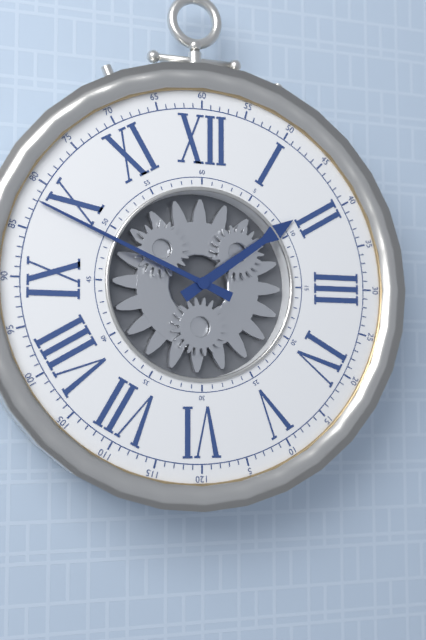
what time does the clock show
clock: 1:49
